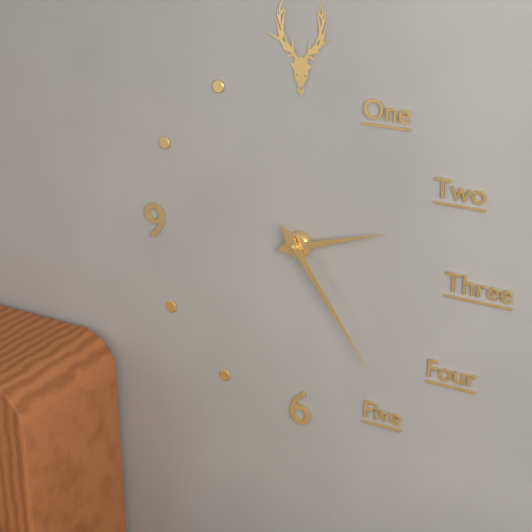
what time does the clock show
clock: 2:24
